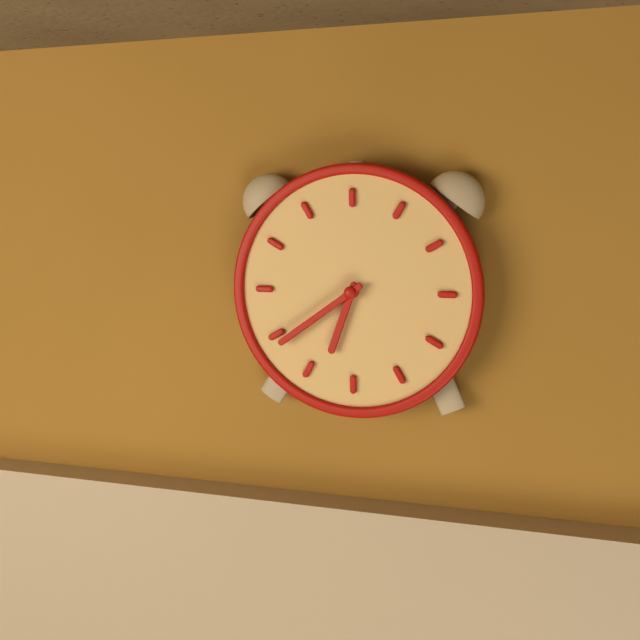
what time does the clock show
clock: 6:39
